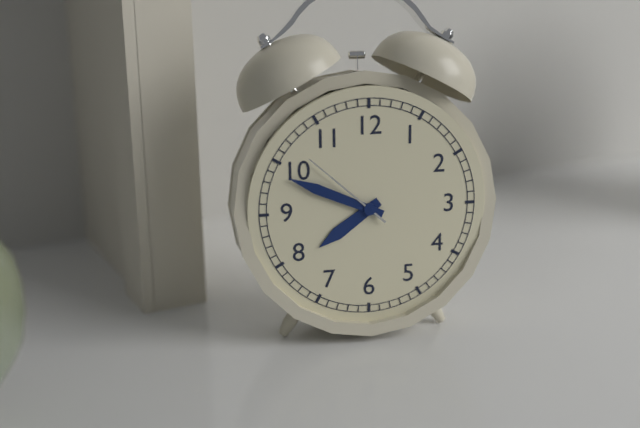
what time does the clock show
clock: 7:49:52
